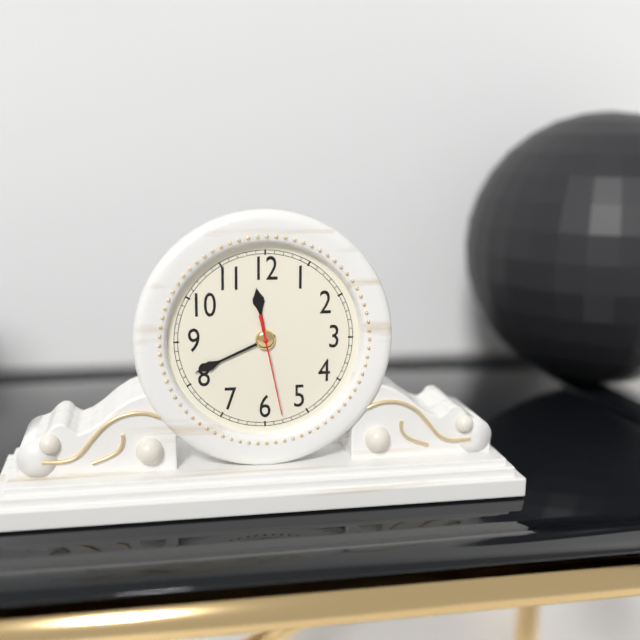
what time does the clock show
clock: 11:41:28
